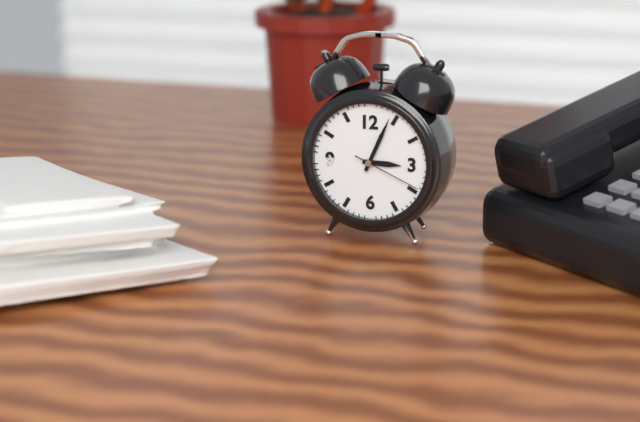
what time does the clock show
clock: 3:04:19
